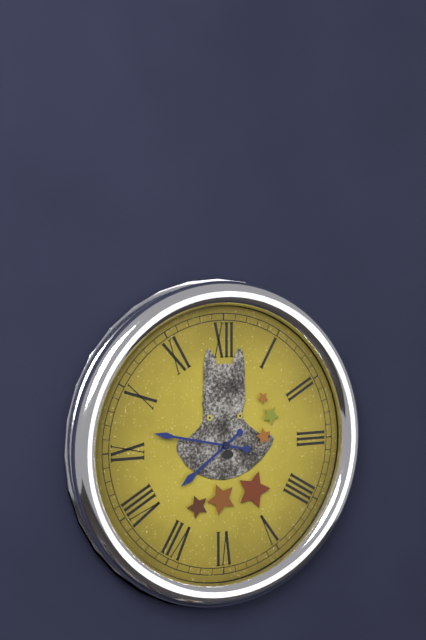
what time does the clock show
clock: 7:47
